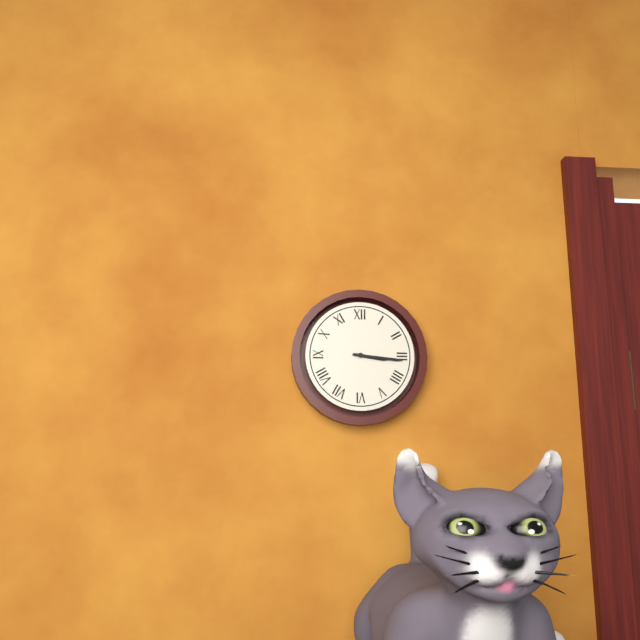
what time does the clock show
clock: 3:16
